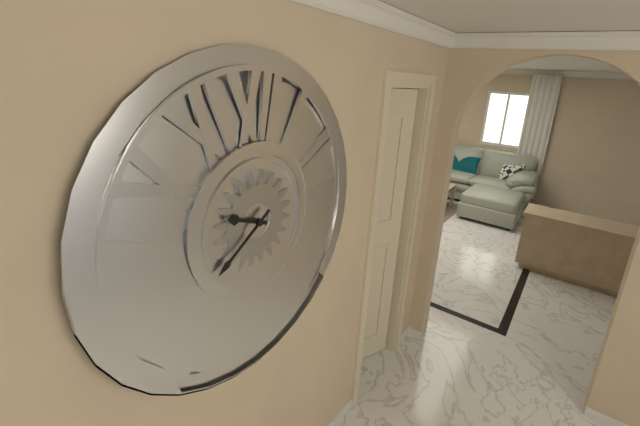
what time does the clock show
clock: 9:39
